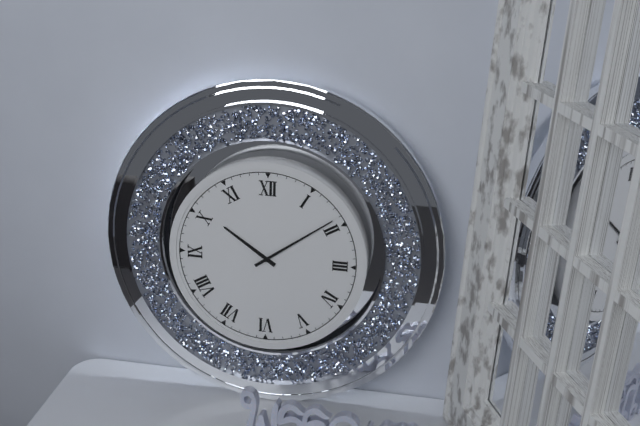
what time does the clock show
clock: 10:09
